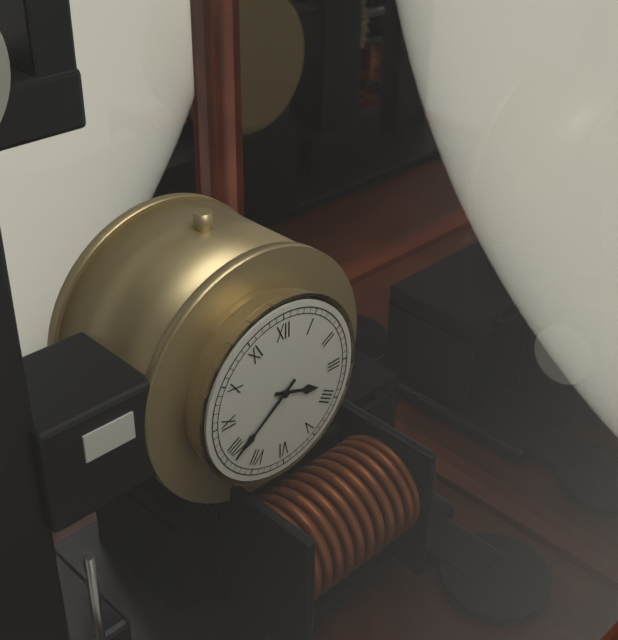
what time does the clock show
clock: 3:39
